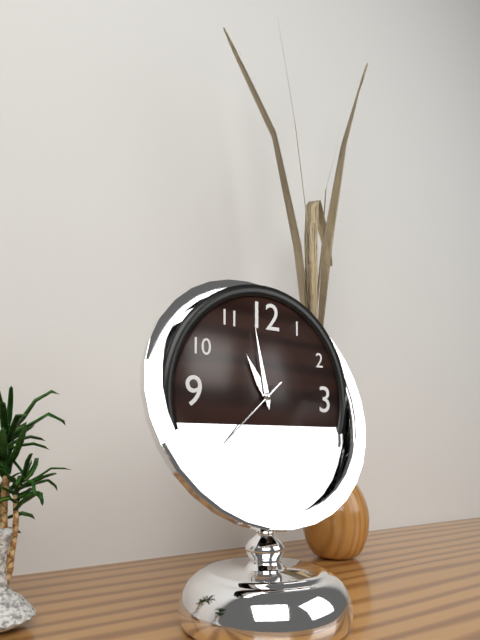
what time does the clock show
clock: 10:58:38
